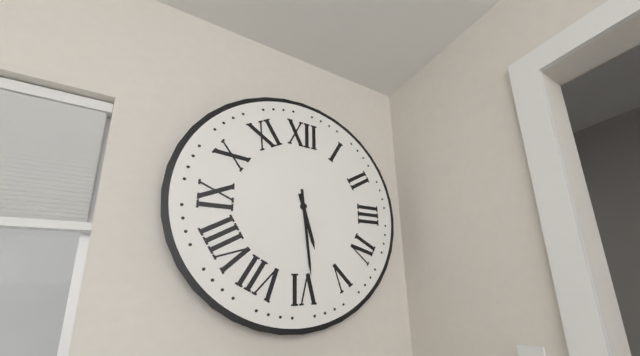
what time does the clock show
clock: 5:29
